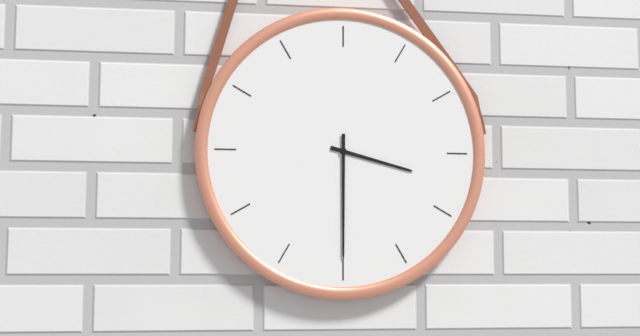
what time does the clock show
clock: 3:30
